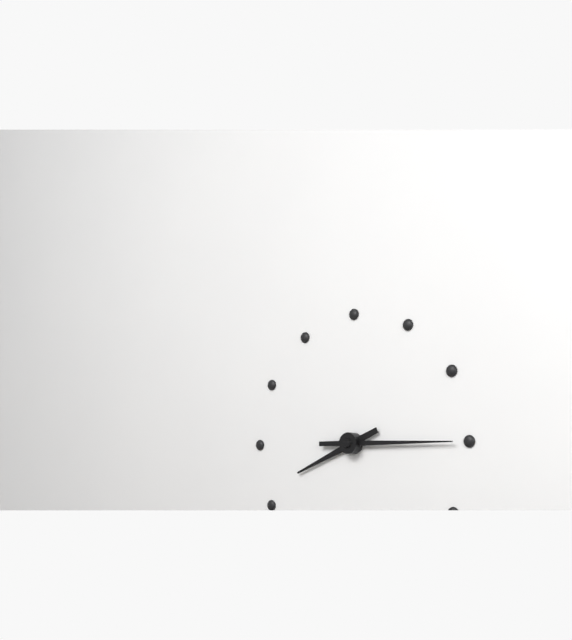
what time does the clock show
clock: 8:15
